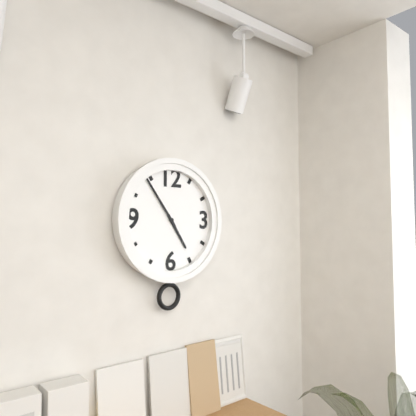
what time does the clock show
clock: 4:54
